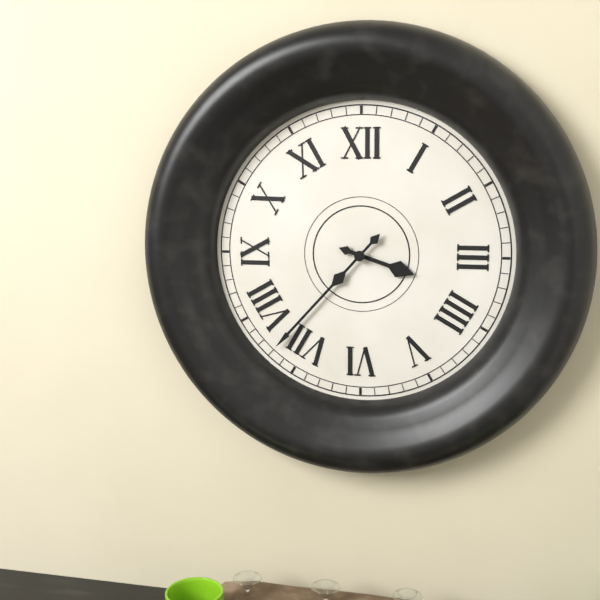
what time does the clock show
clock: 3:37
